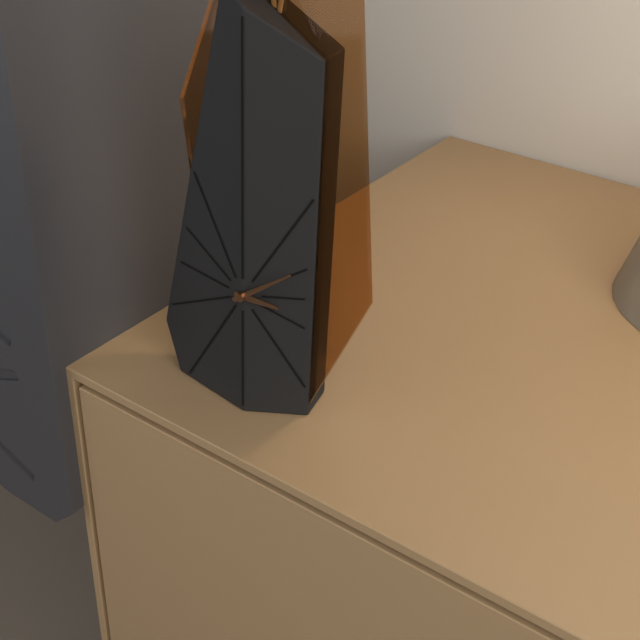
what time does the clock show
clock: 3:09
